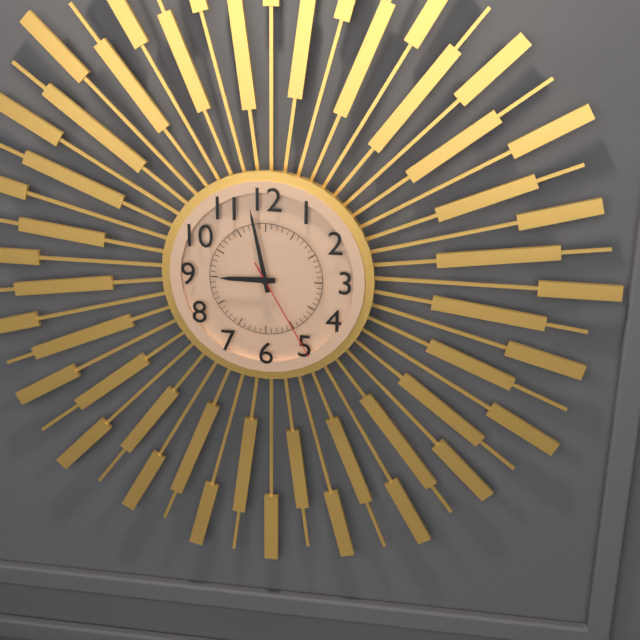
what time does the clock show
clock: 8:58:25
